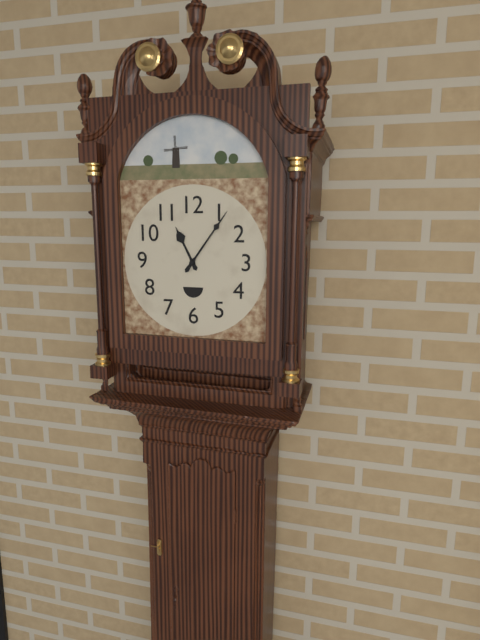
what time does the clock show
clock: 11:06
